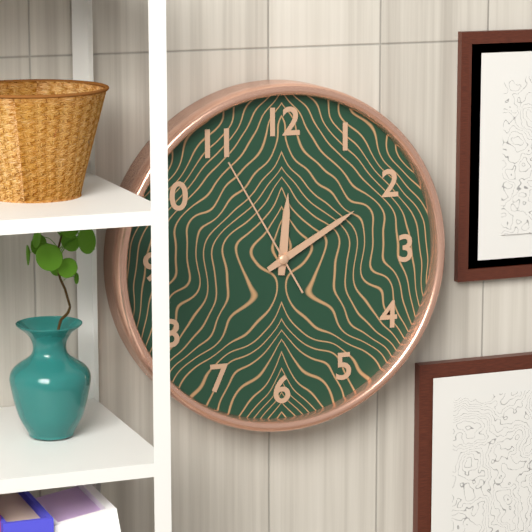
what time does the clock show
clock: 12:10:55
